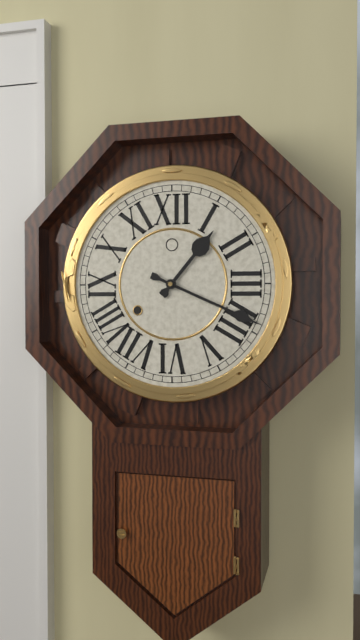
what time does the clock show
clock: 1:19
